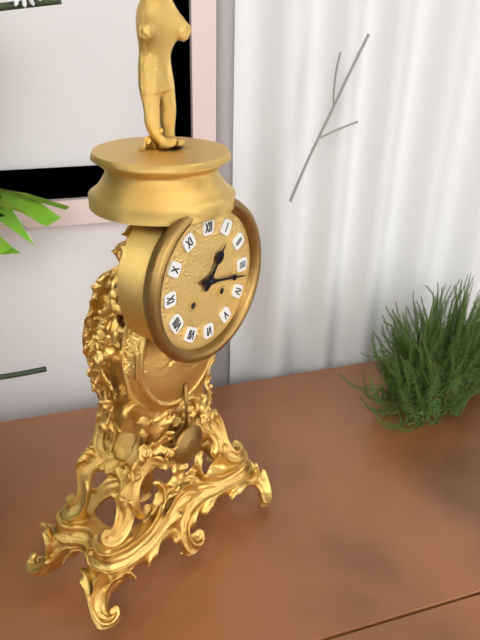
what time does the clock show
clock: 1:17
